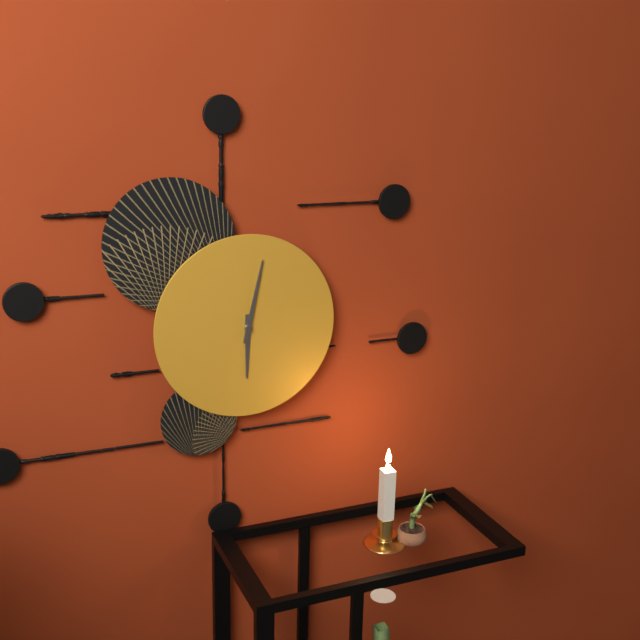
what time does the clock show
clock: 6:02
